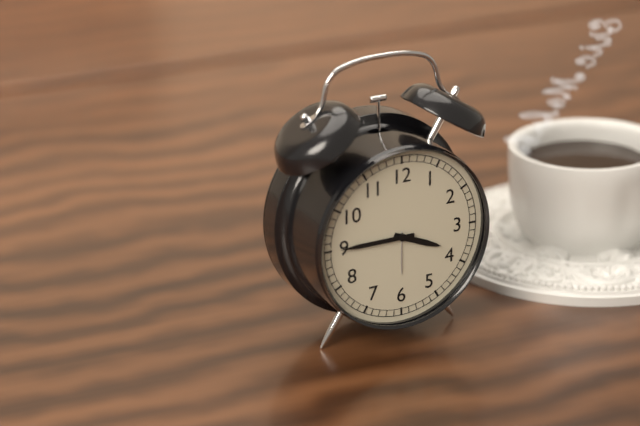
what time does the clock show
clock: 3:45
